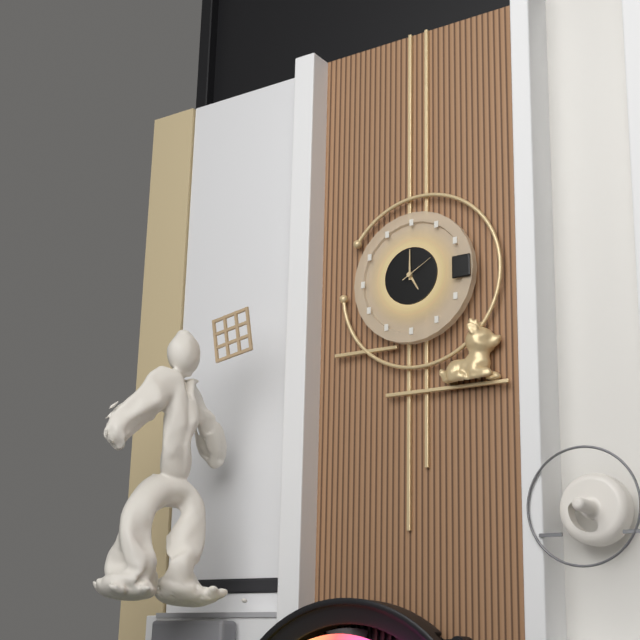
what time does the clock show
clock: 5:00
